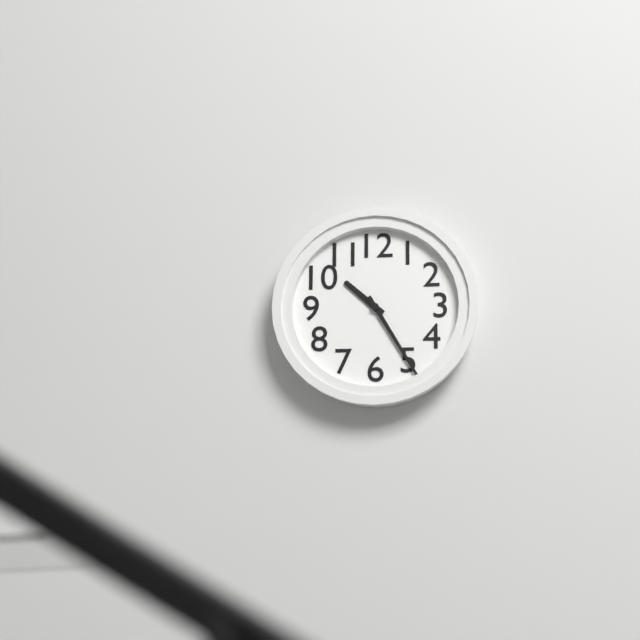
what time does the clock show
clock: 10:25
